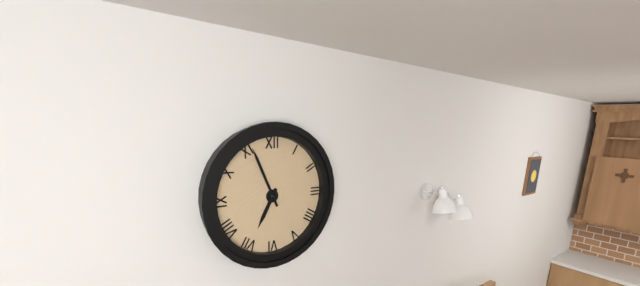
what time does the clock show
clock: 6:56
